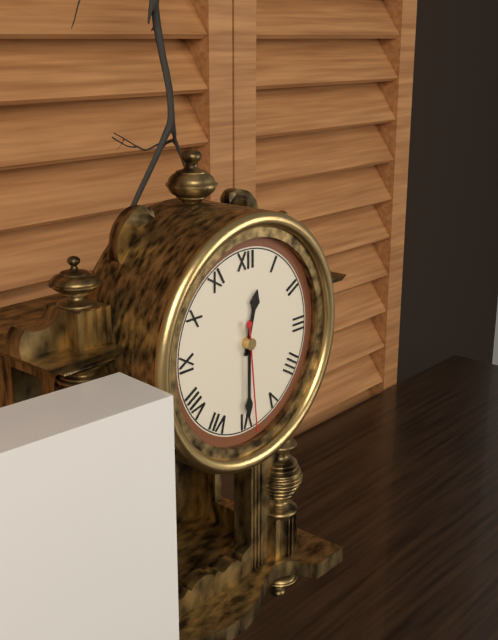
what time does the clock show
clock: 12:30:29
